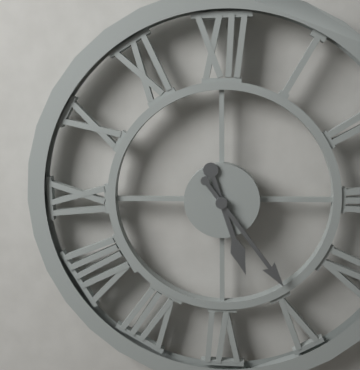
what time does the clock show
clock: 5:24
